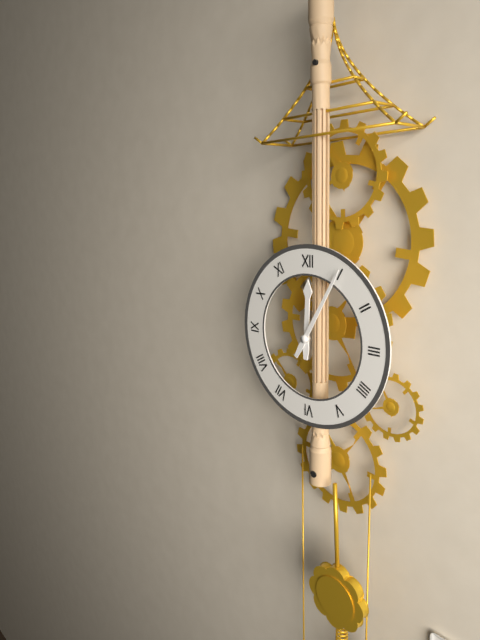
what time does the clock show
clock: 12:05
